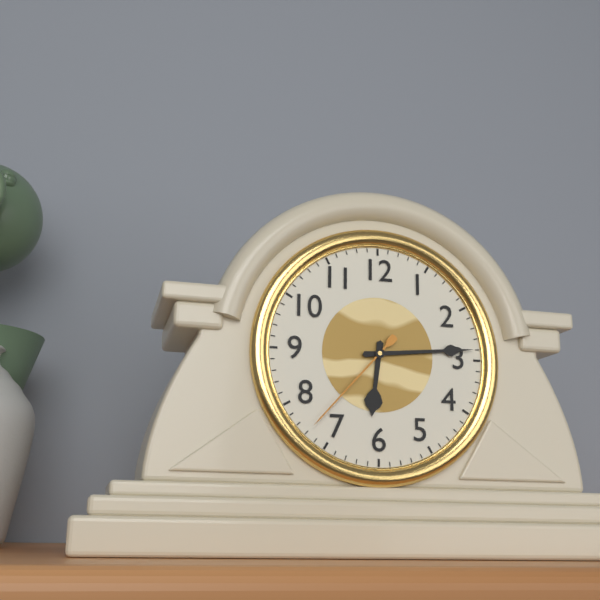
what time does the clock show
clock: 6:14:37
